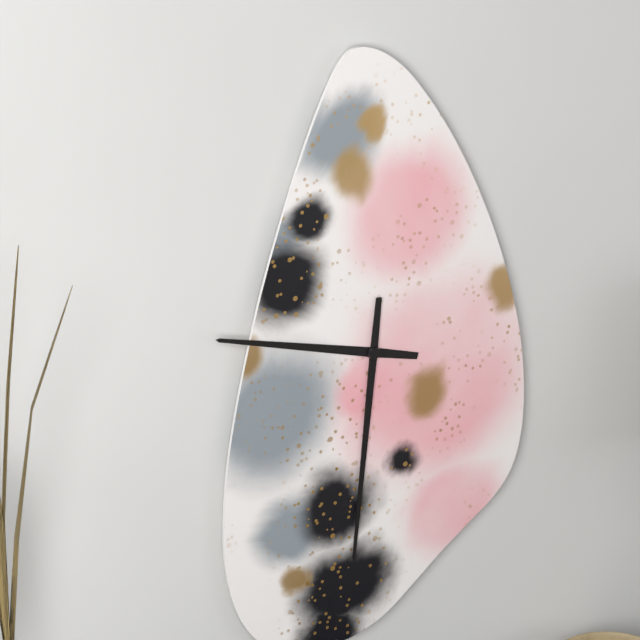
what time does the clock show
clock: 9:31
